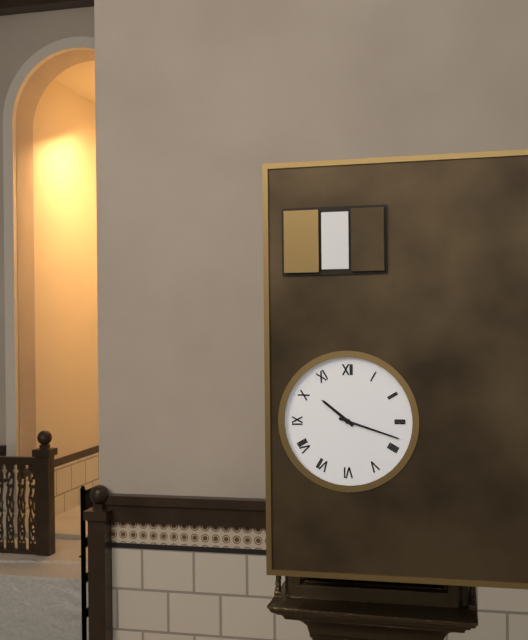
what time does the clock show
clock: 10:18
